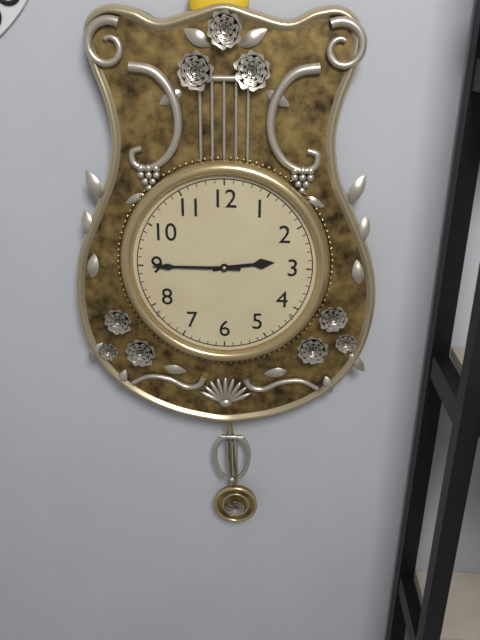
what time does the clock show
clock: 2:45
